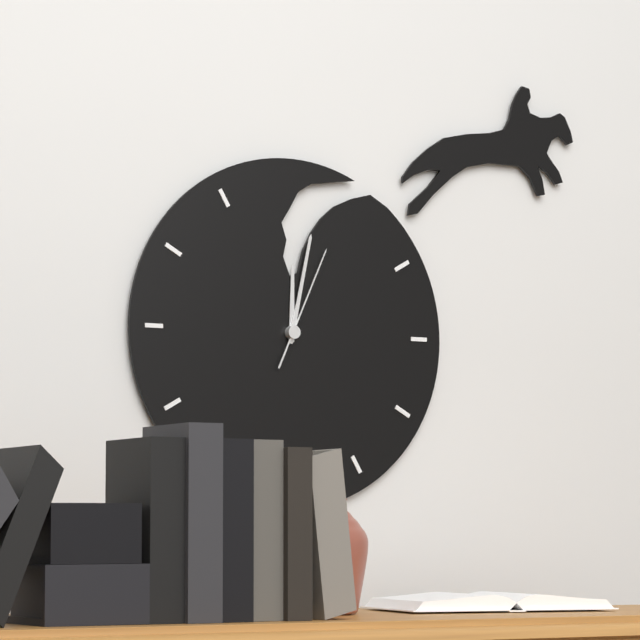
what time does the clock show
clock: 12:02:04
